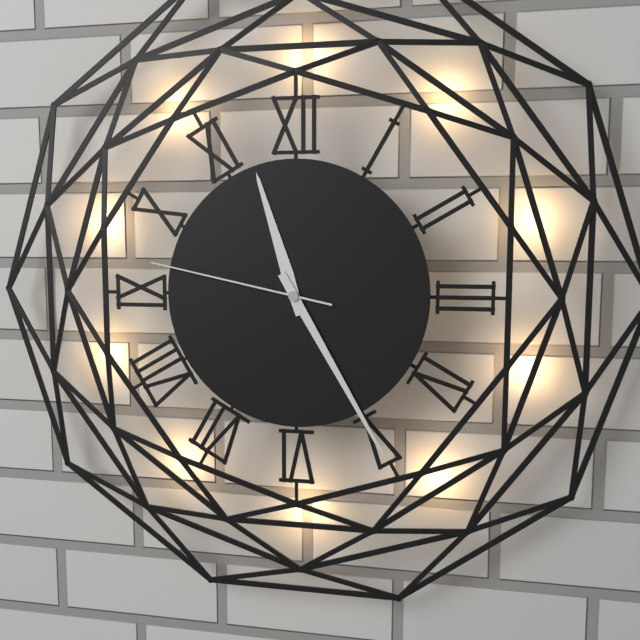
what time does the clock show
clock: 11:25:47
